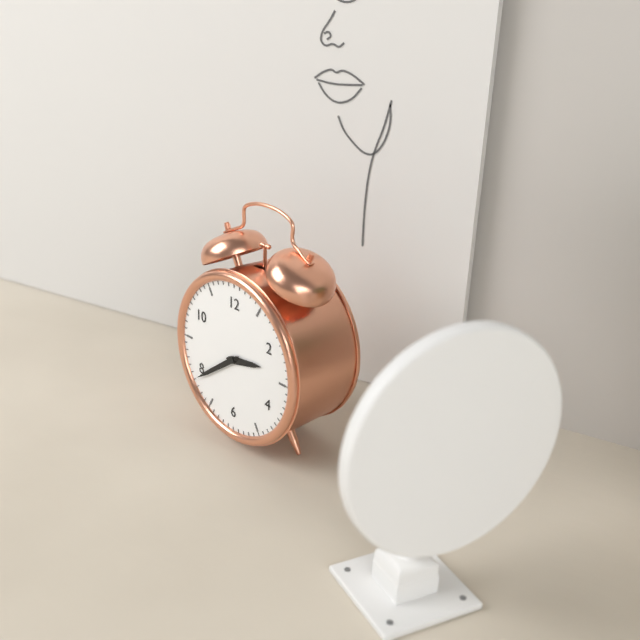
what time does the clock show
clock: 2:39
